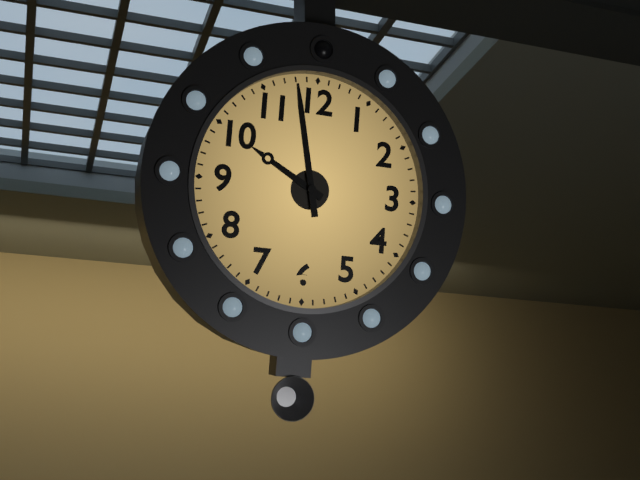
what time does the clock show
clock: 9:58
